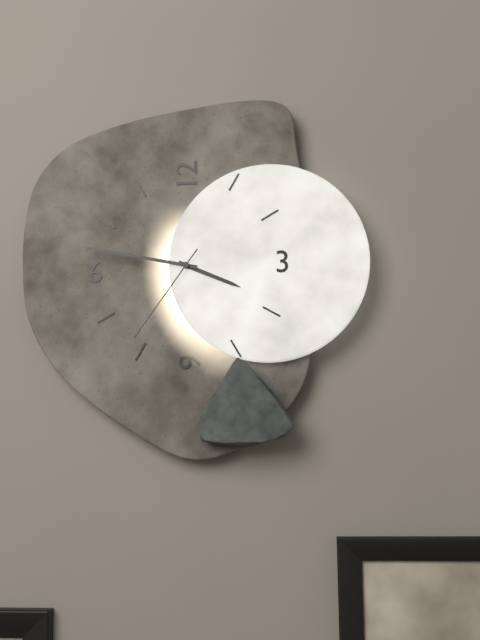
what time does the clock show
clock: 3:47:36
